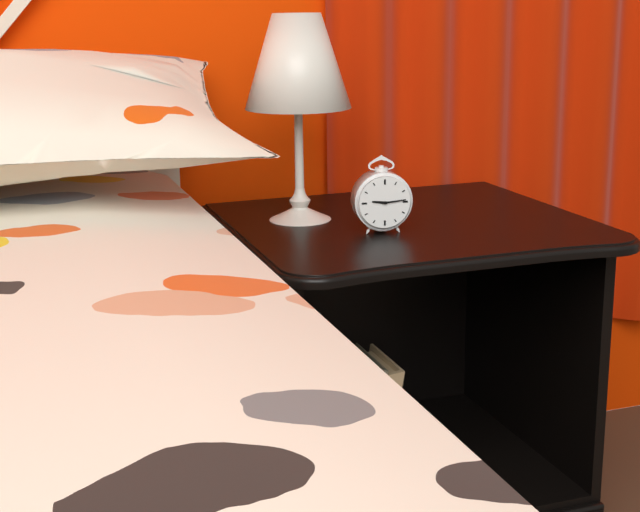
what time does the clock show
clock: 9:14
